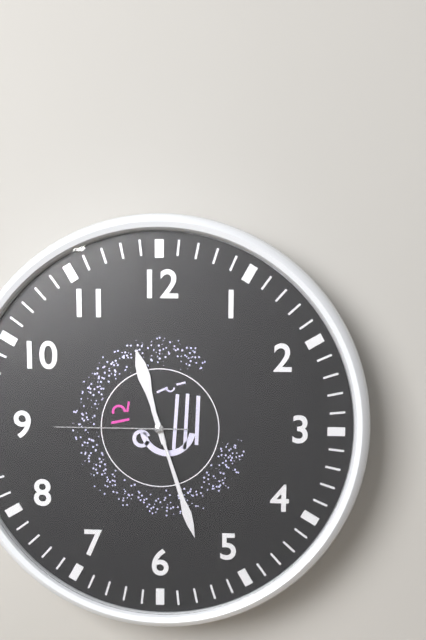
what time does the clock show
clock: 11:27:45
